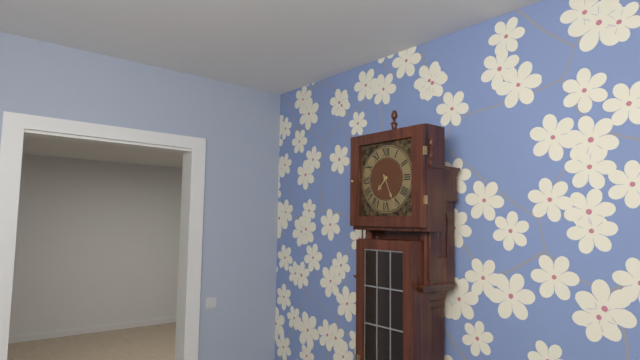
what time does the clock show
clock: 7:26
